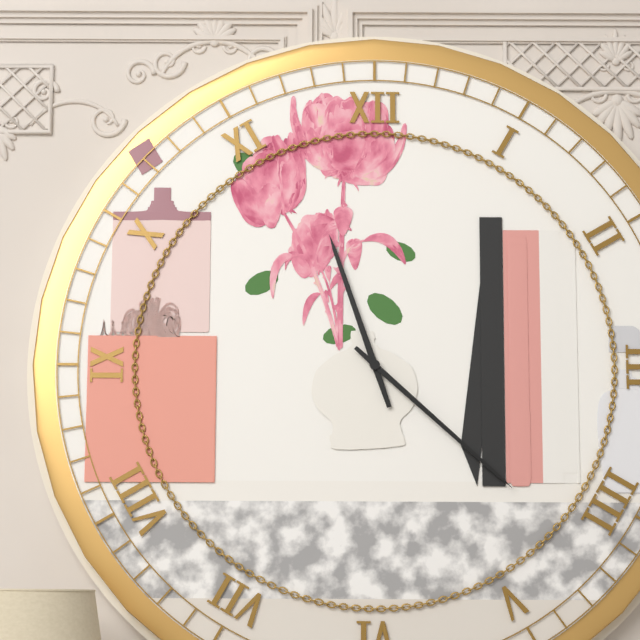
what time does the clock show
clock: 11:22
